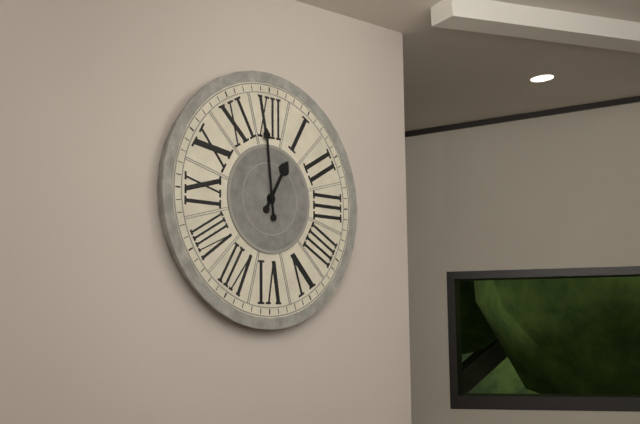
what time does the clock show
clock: 12:59
